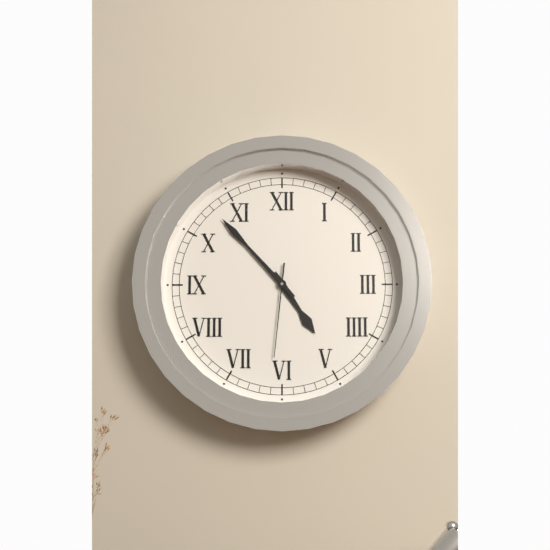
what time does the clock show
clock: 4:53:31
